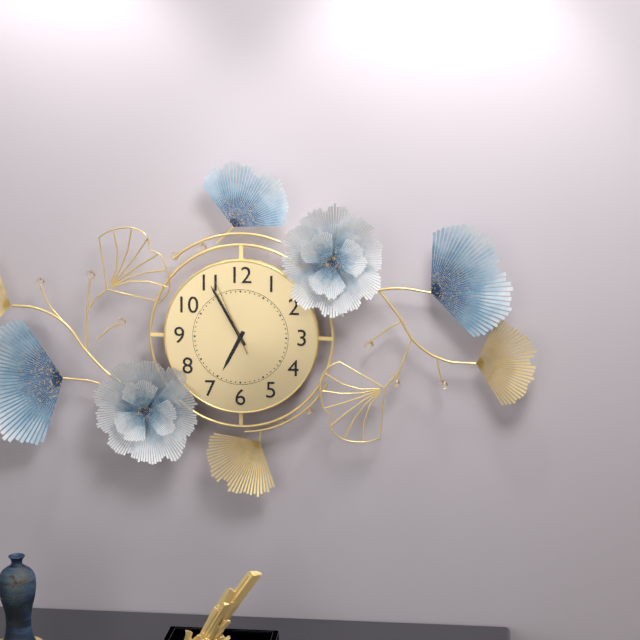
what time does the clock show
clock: 6:55:56
